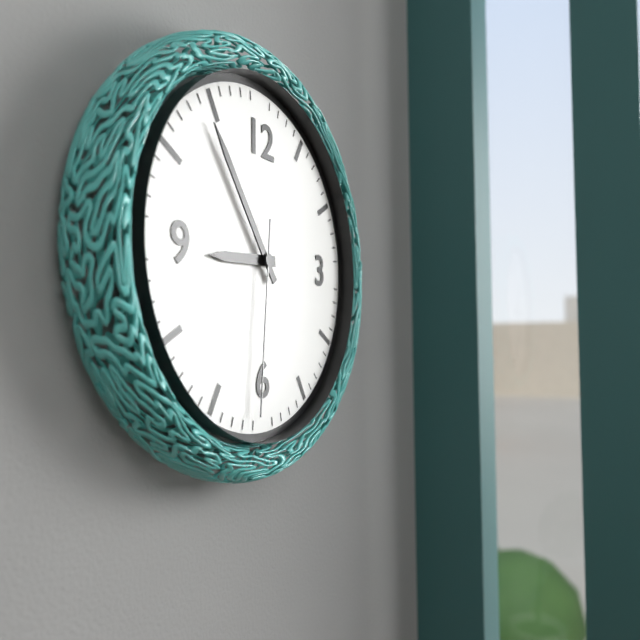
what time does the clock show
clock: 8:54:31
